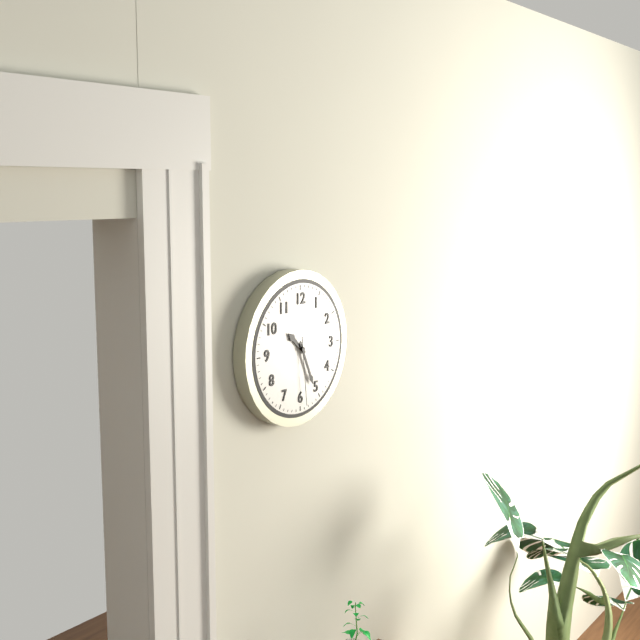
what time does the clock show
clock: 10:26:29
